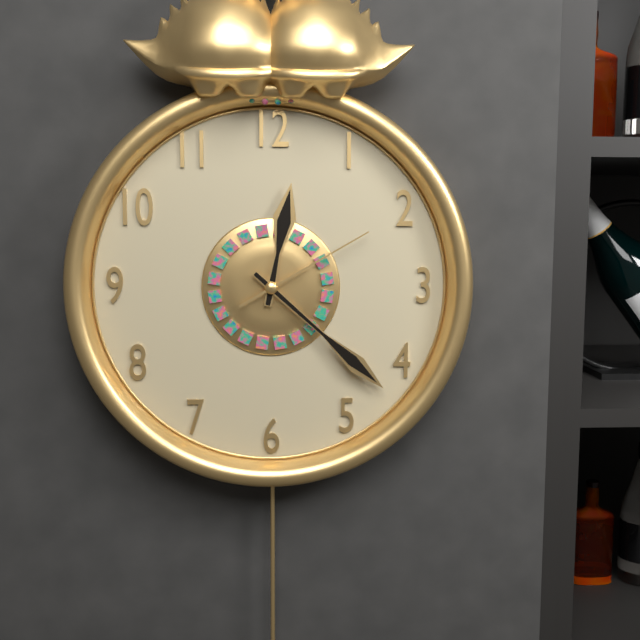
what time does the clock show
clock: 12:22:10
